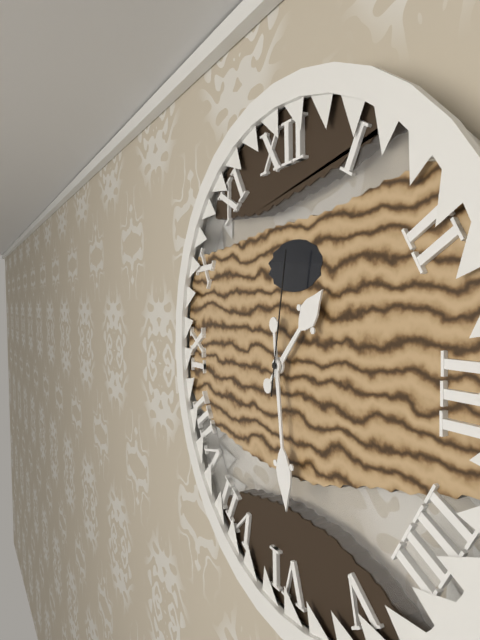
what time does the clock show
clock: 1:29:02
